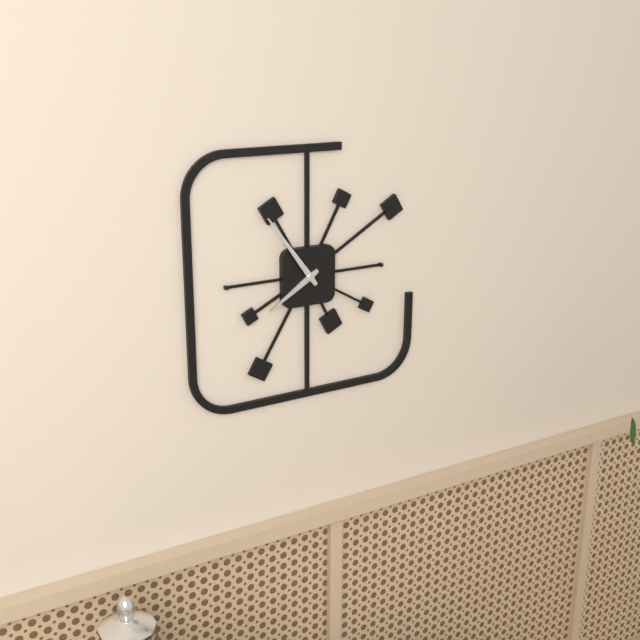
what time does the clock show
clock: 7:54
